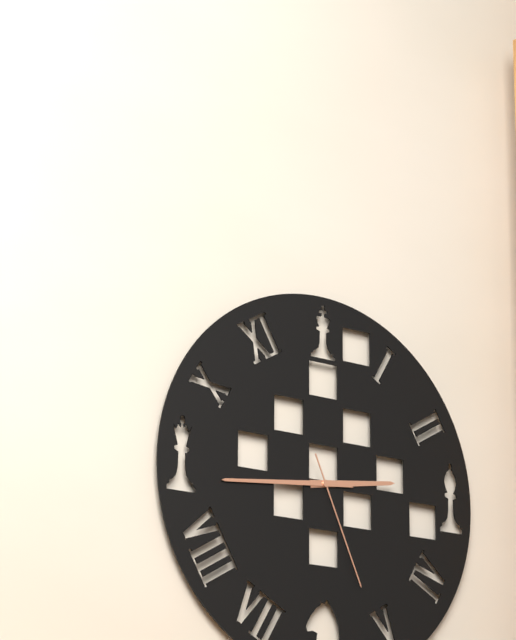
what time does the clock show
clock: 2:44:26
